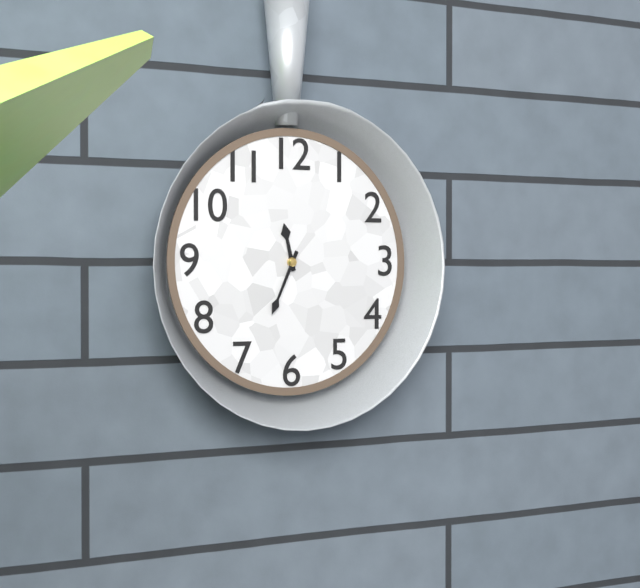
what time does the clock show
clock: 11:34
